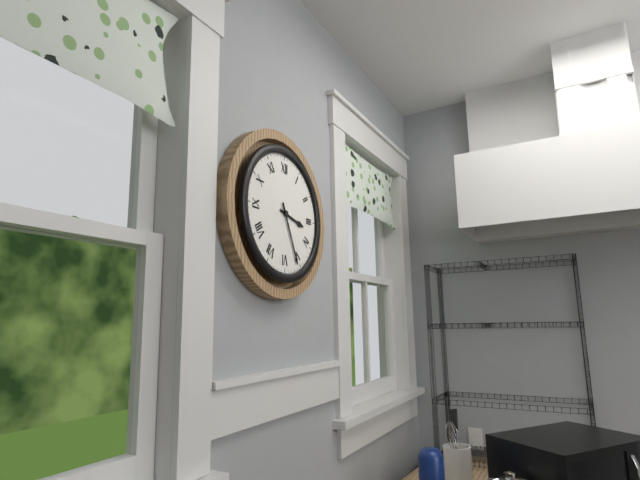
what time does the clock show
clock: 3:26
